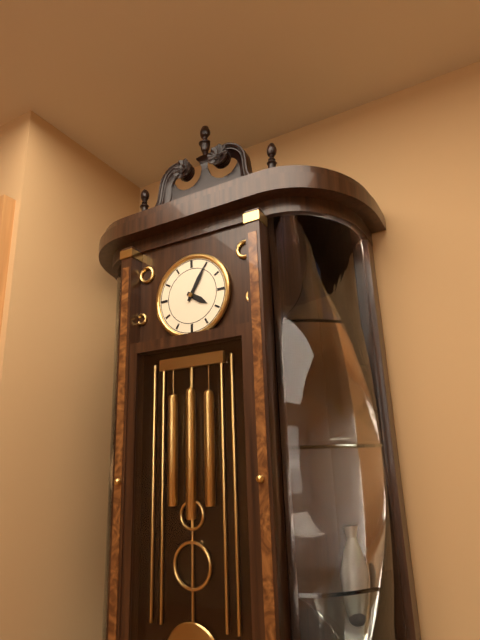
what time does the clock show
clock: 4:05
